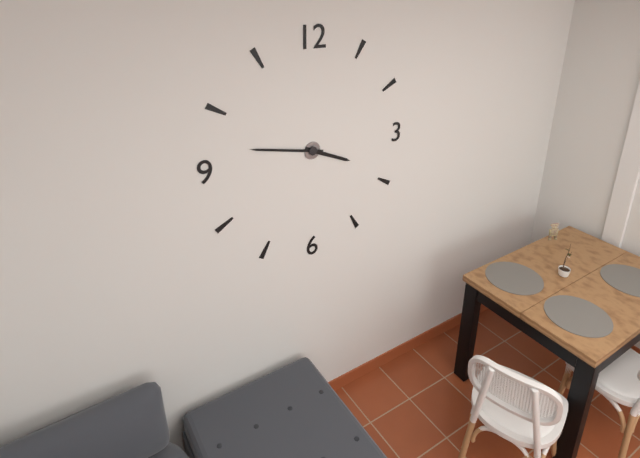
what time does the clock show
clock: 3:47
